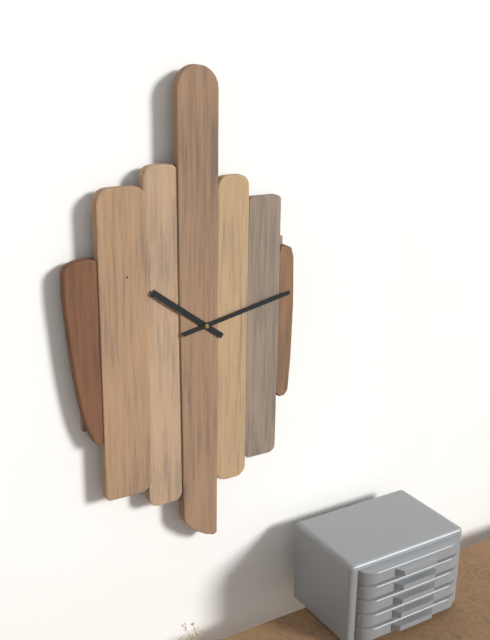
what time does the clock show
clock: 10:13
